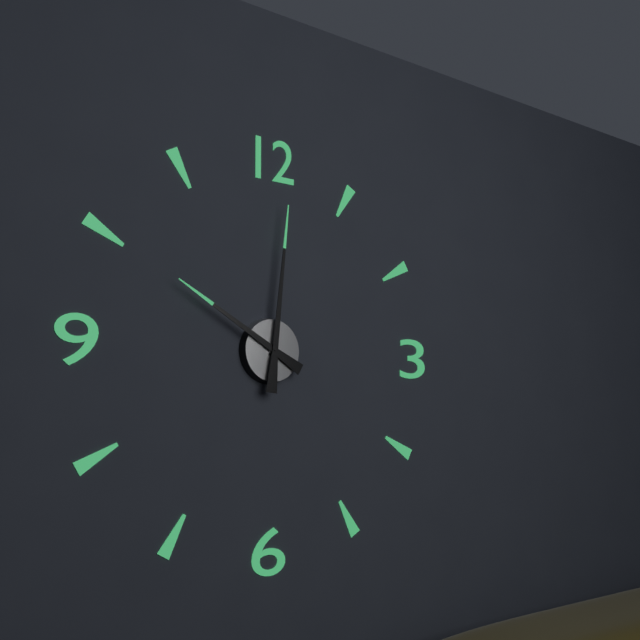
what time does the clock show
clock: 10:01
